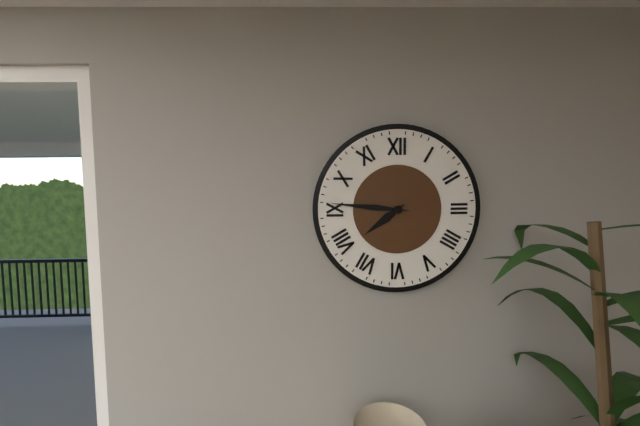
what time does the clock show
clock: 7:46
